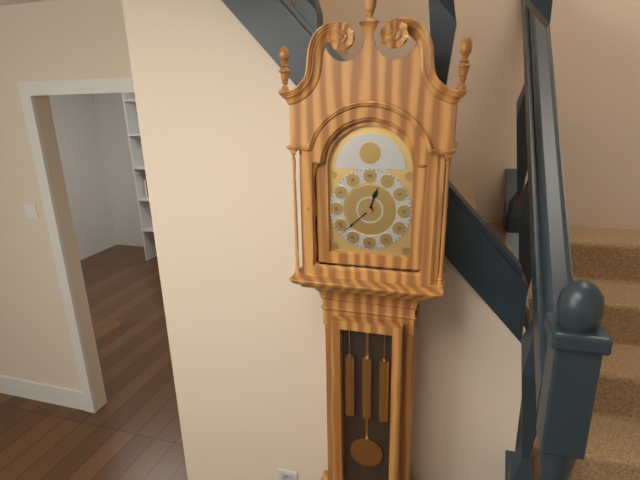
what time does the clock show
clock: 12:38
